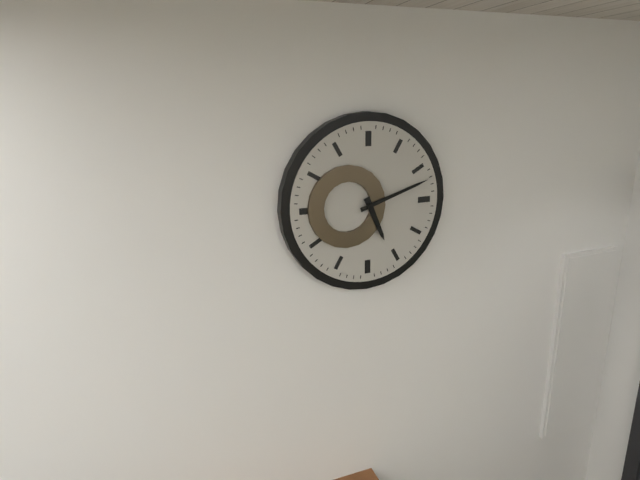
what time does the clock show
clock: 5:12
